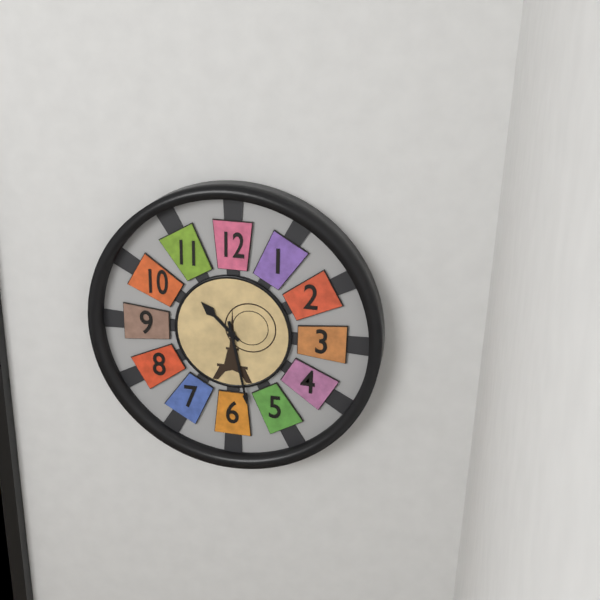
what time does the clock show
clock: 10:28
